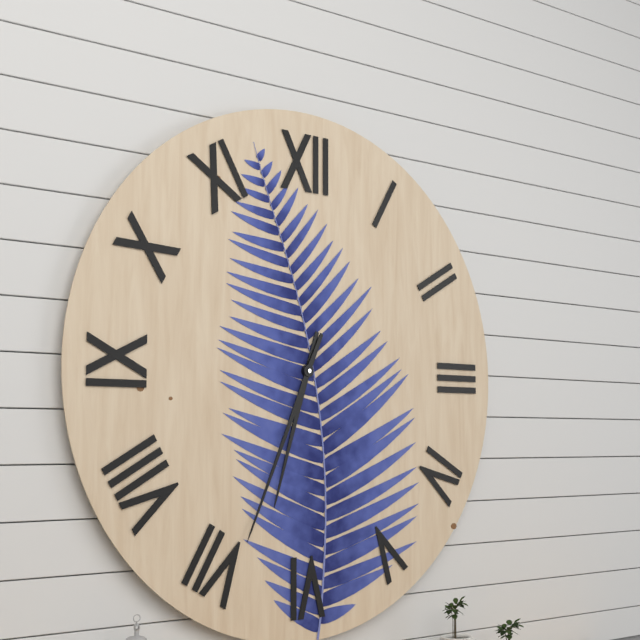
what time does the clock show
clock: 6:34
